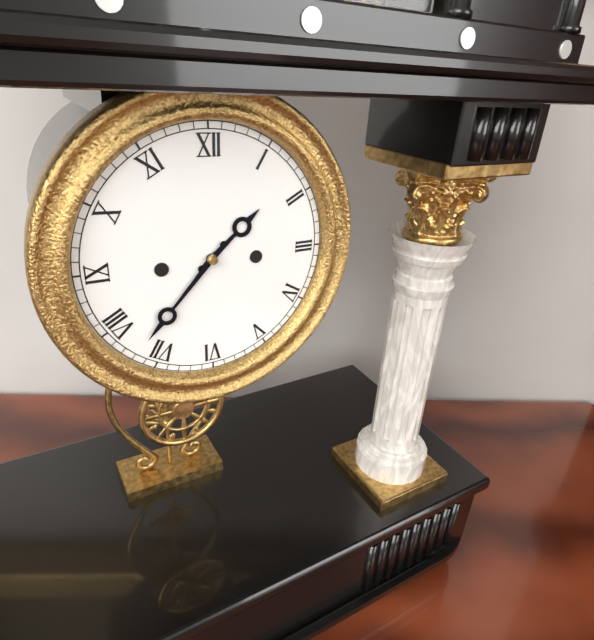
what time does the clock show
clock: 1:37
